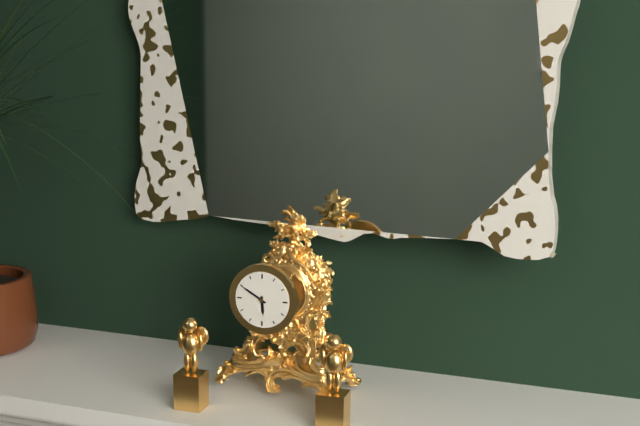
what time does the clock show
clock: 5:50
